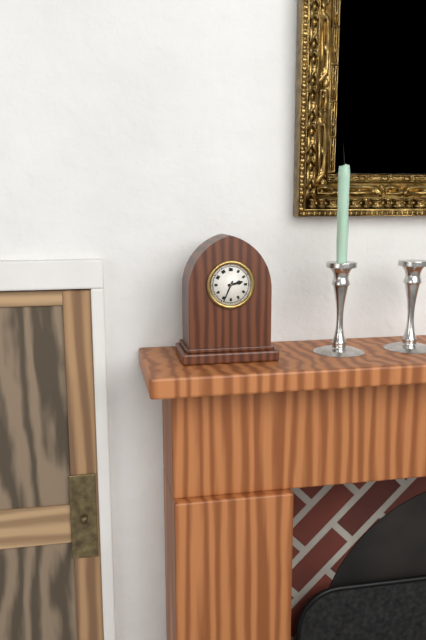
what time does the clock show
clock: 2:34
